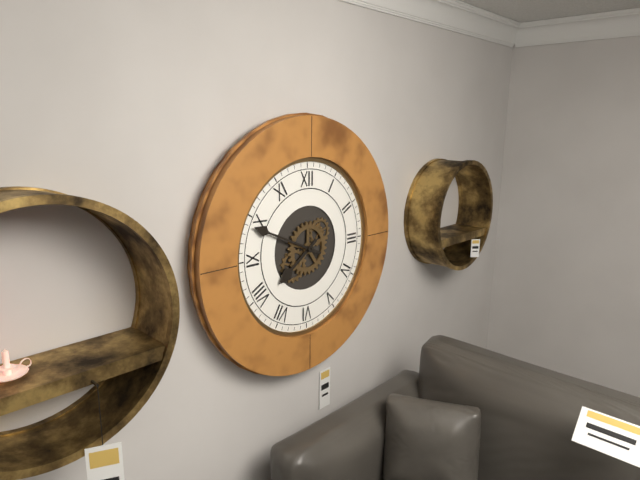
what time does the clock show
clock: 7:49
